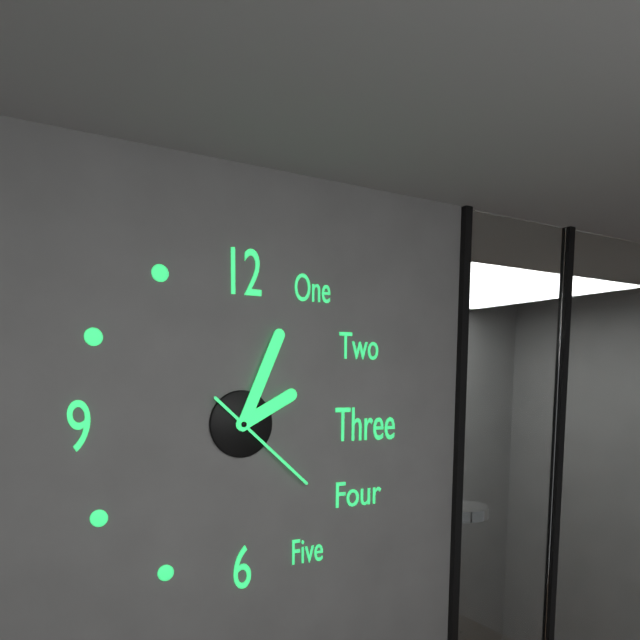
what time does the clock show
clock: 2:04:22
